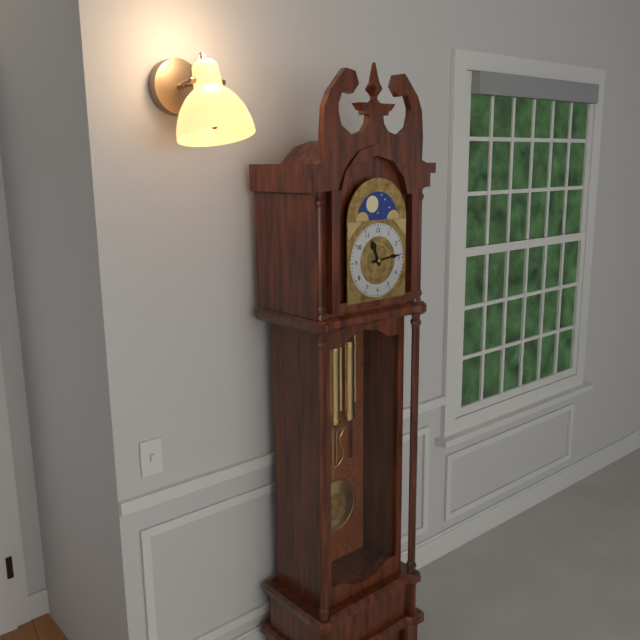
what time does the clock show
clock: 11:14
